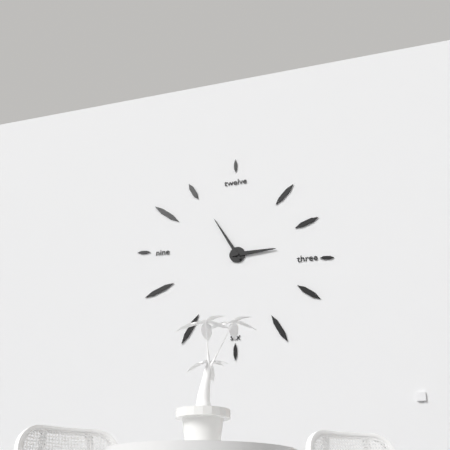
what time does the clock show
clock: 2:55
